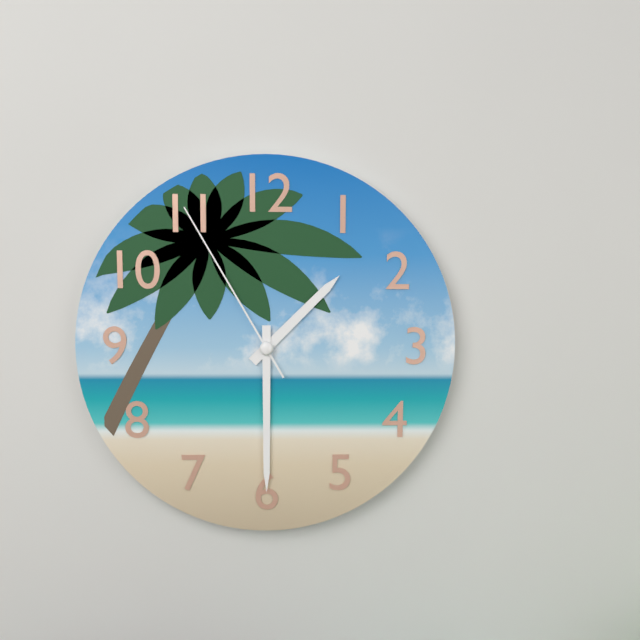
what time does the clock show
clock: 1:30:55
